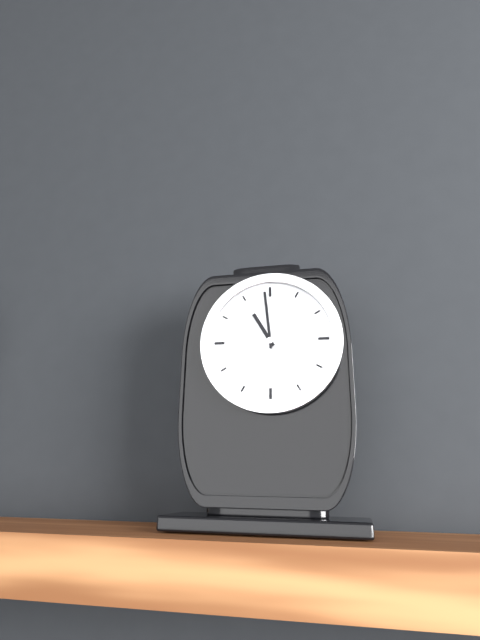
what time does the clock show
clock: 10:59
